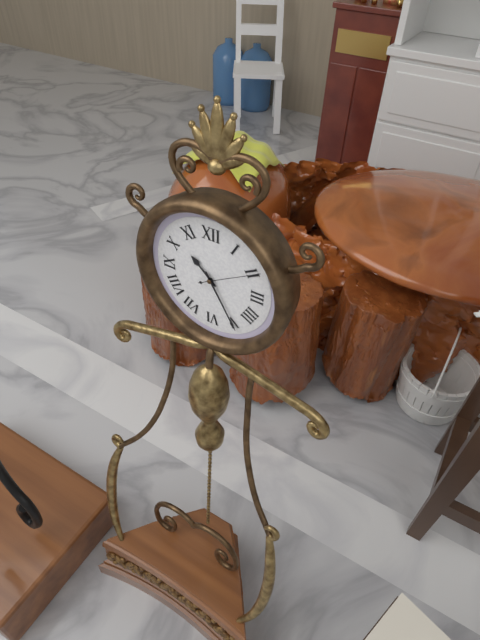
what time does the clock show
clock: 10:25:10
